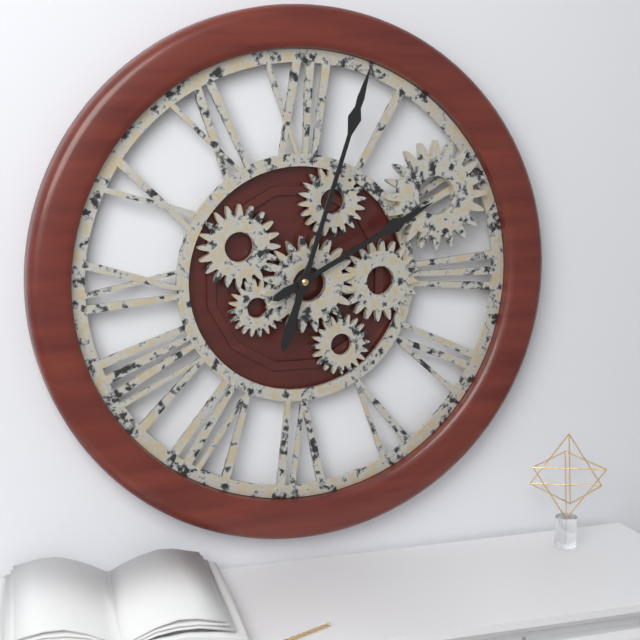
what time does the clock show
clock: 2:03
